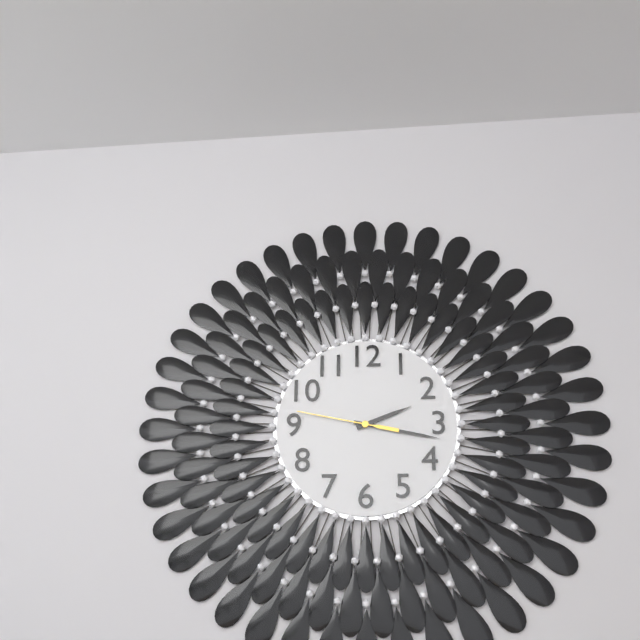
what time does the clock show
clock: 2:17:47
